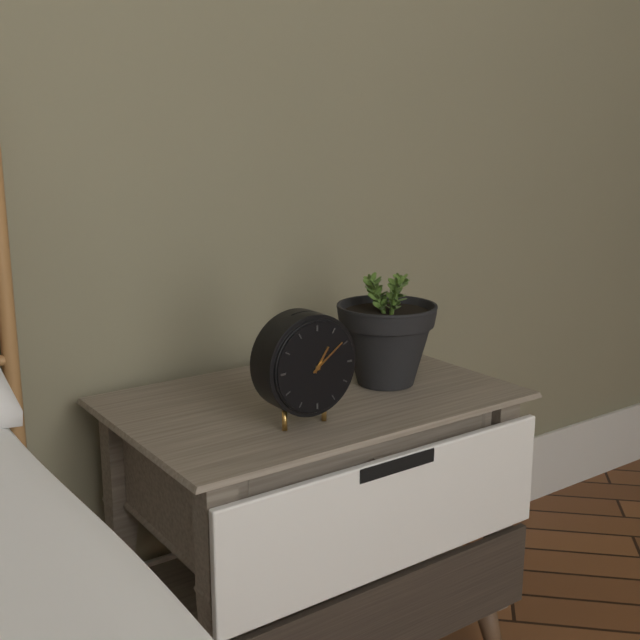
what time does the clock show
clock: 1:09
